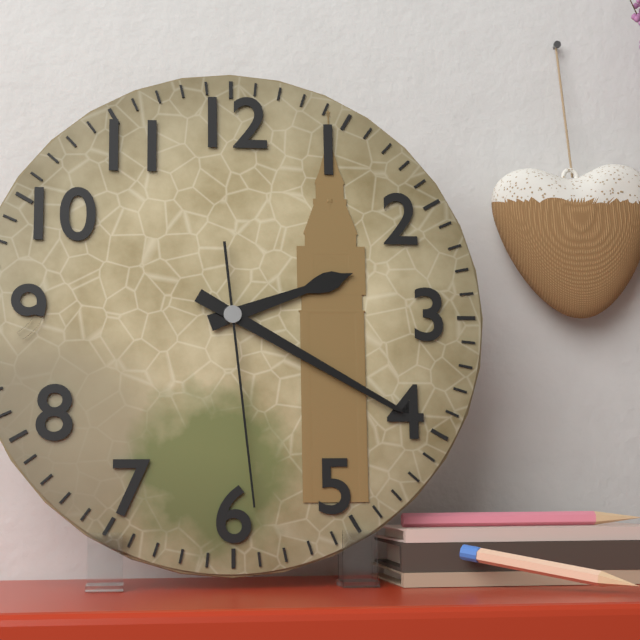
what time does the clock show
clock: 2:20:29
